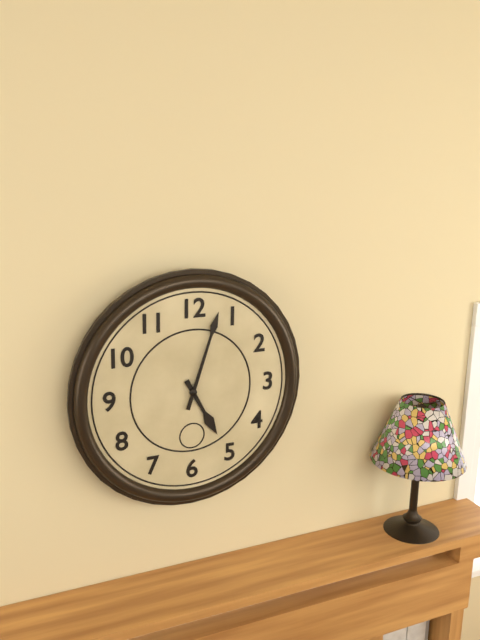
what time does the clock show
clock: 5:03
